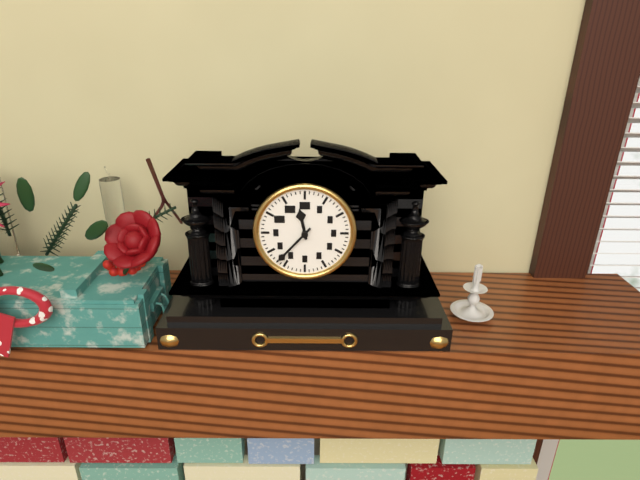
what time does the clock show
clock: 11:37
